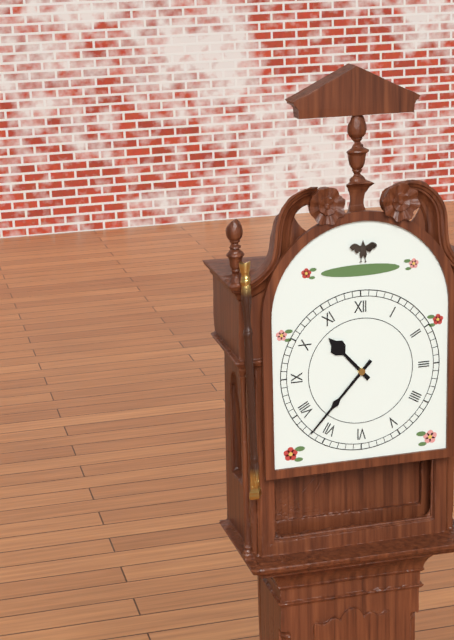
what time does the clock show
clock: 10:37
